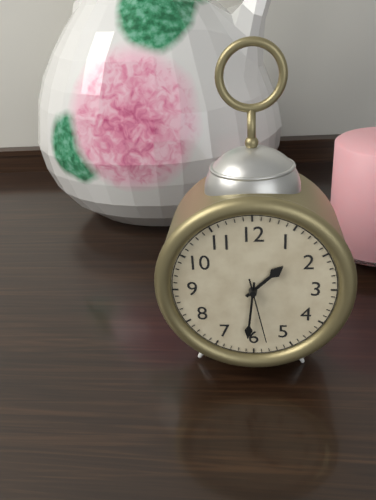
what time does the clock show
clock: 1:31:28
